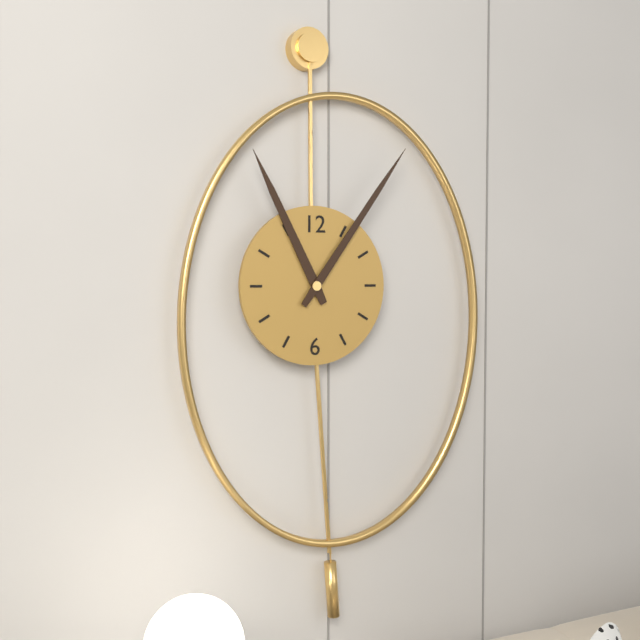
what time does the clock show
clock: 11:06
